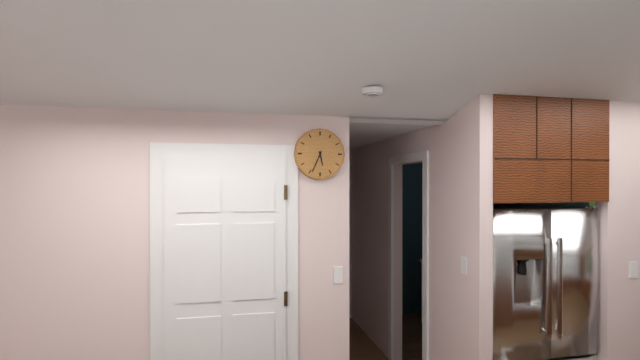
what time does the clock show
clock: 5:34
